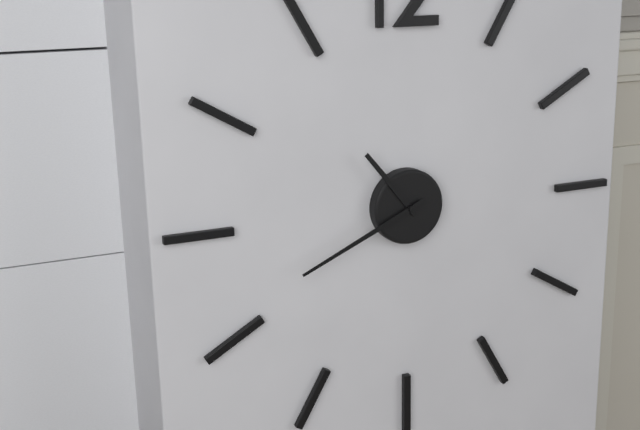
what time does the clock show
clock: 10:41
